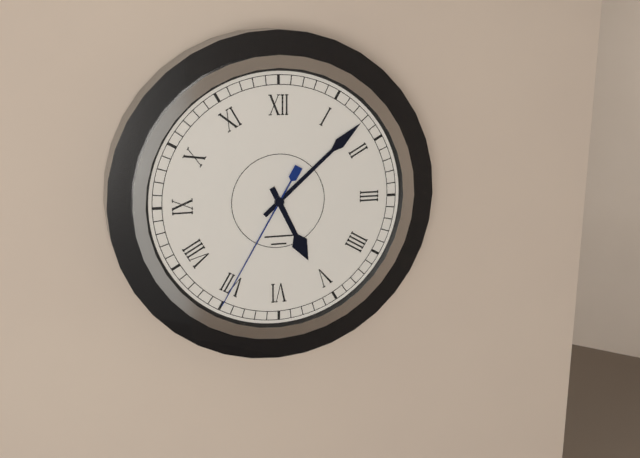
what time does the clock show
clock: 5:08:35
